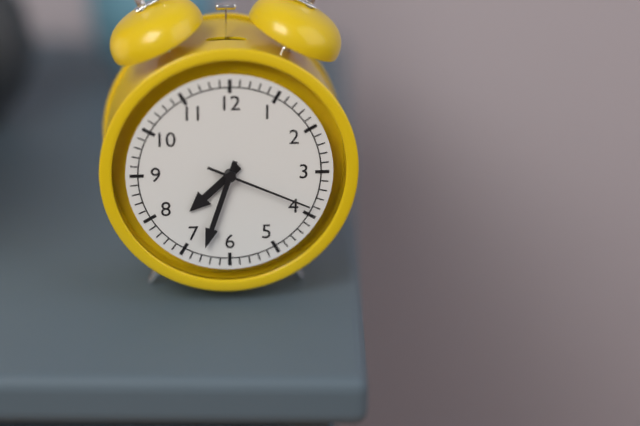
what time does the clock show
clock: 7:33:19
